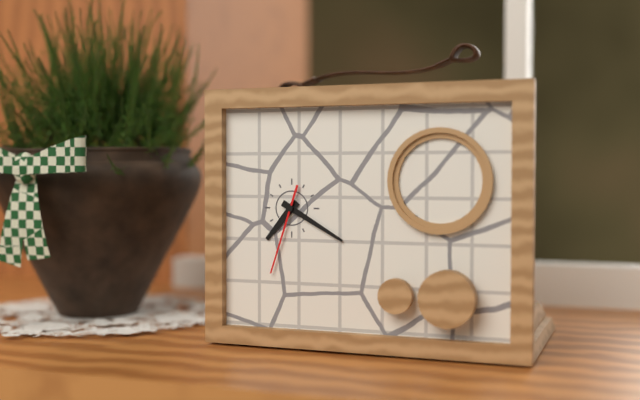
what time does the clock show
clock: 7:20:33
